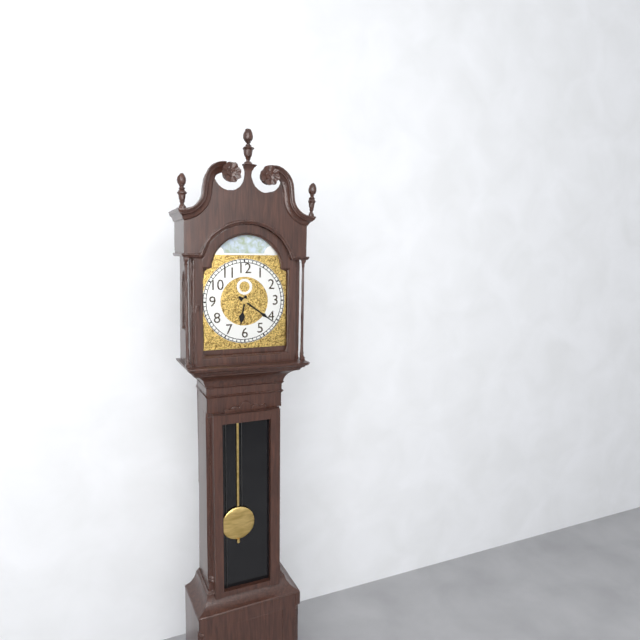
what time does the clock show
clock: 6:21
